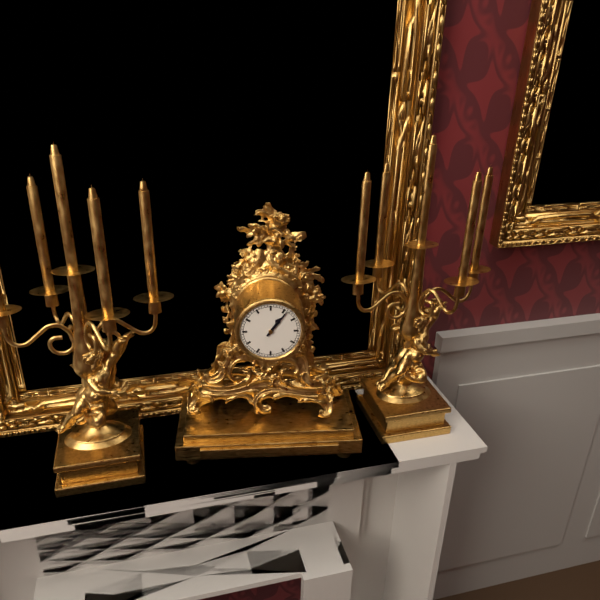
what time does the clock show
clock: 1:06
